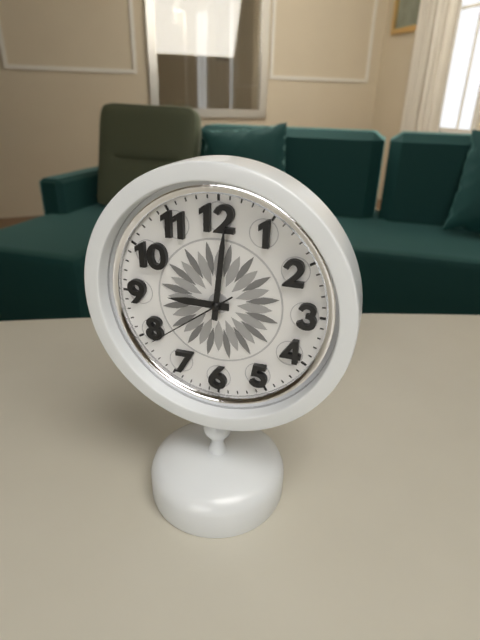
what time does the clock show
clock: 9:01:39
